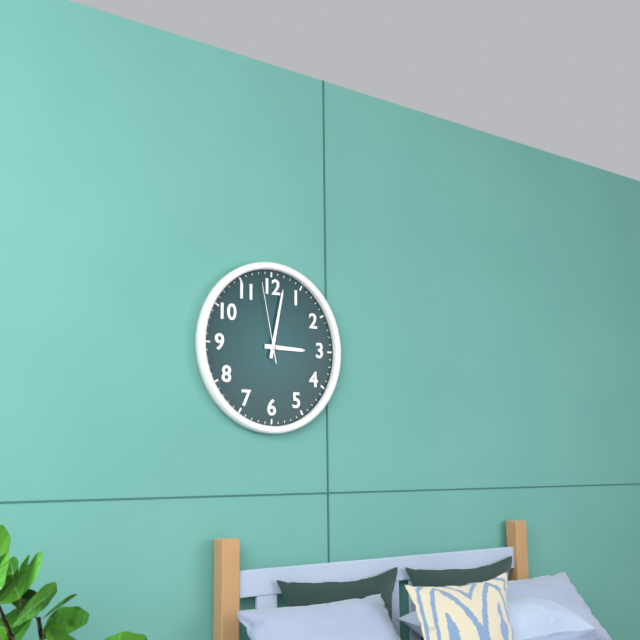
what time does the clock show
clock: 3:02:58
